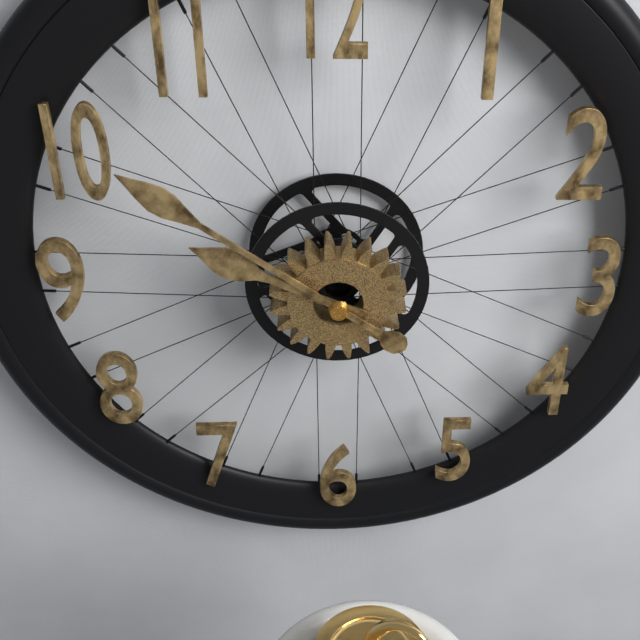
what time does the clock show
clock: 9:51
